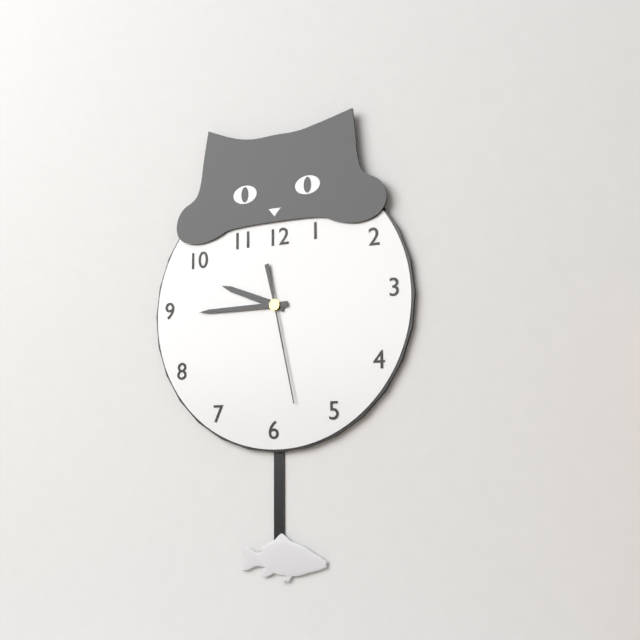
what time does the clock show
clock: 9:45:28
